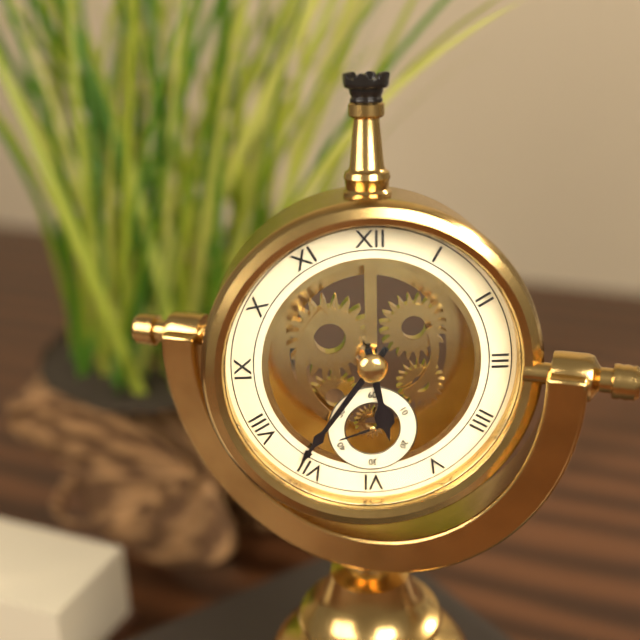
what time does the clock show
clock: 5:36
